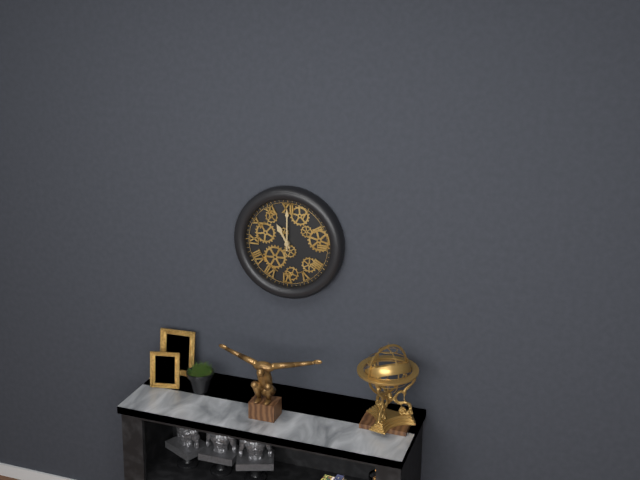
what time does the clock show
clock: 11:00
